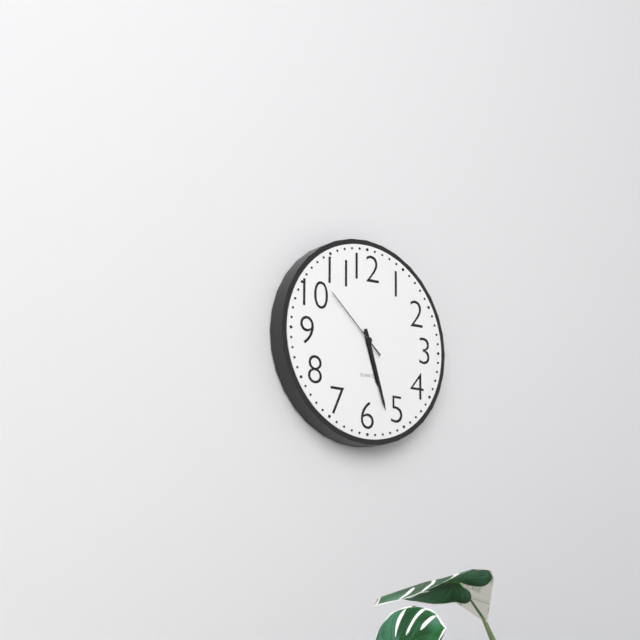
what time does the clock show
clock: 5:27:52
